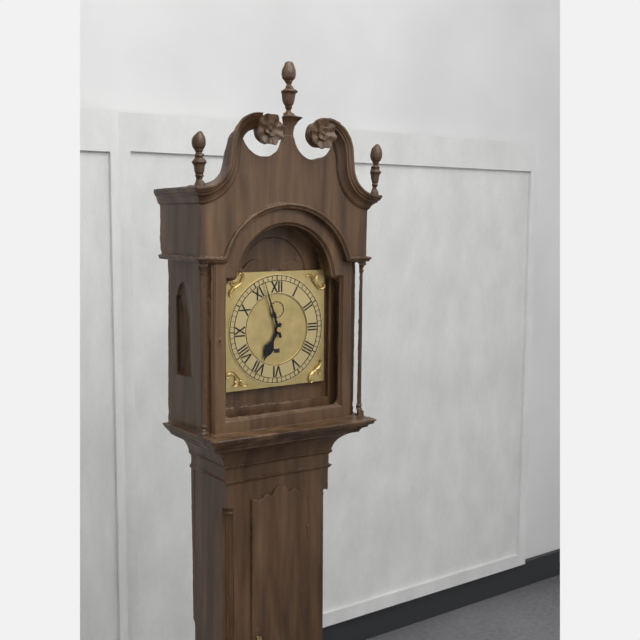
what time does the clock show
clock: 6:57
